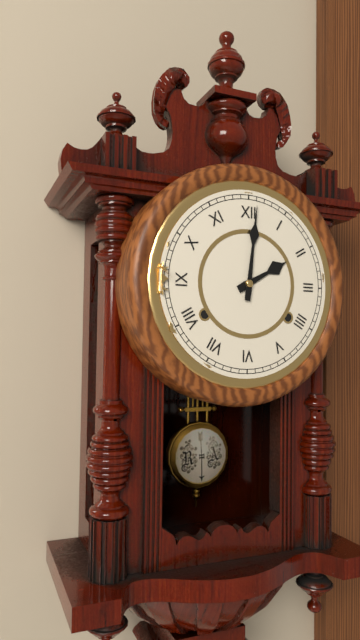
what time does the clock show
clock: 2:01
